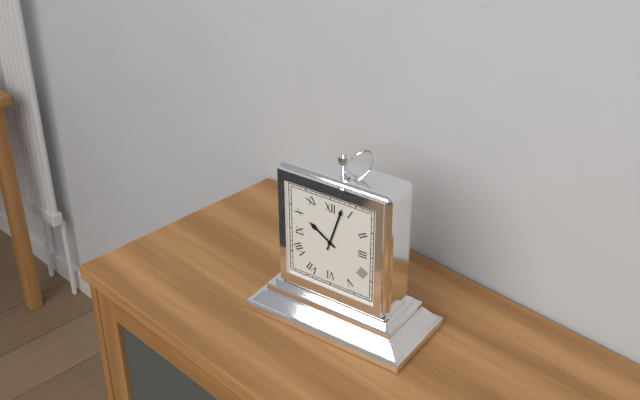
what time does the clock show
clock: 10:03
